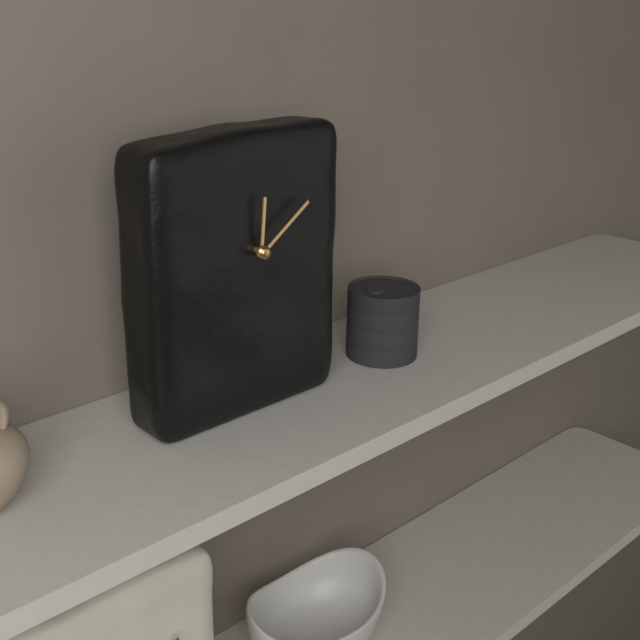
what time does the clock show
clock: 12:09
